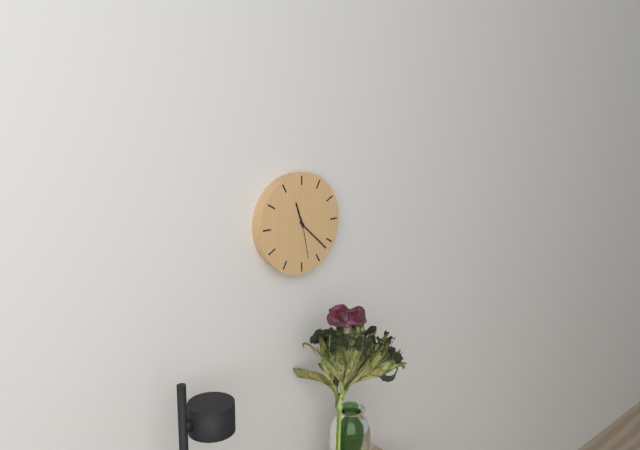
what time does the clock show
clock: 11:22
